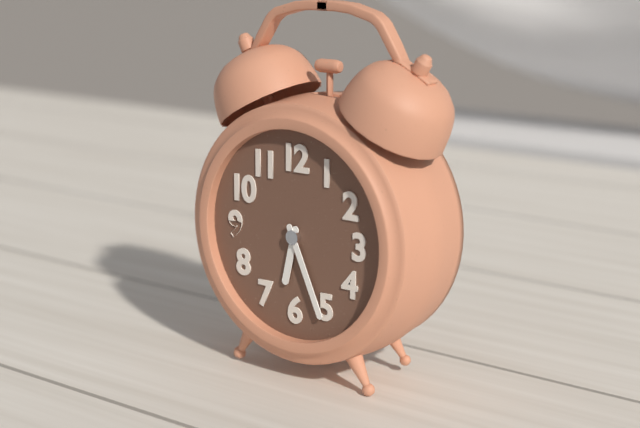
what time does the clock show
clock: 6:26
